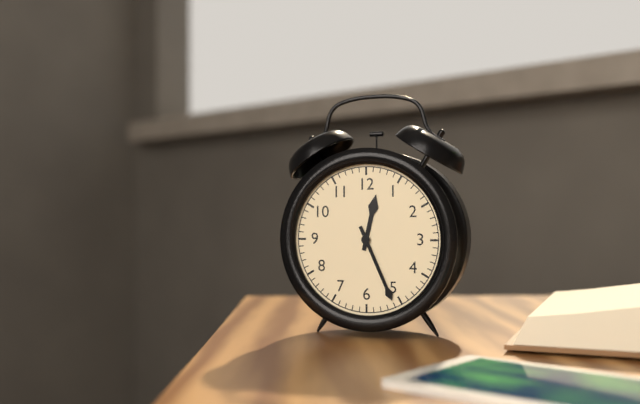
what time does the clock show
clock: 12:26
